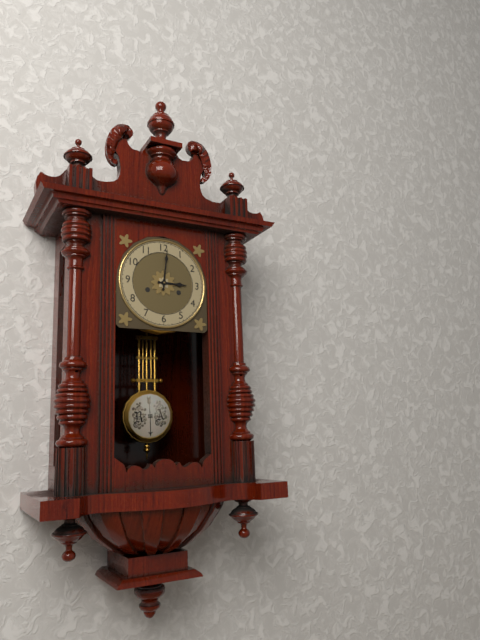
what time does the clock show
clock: 3:01
